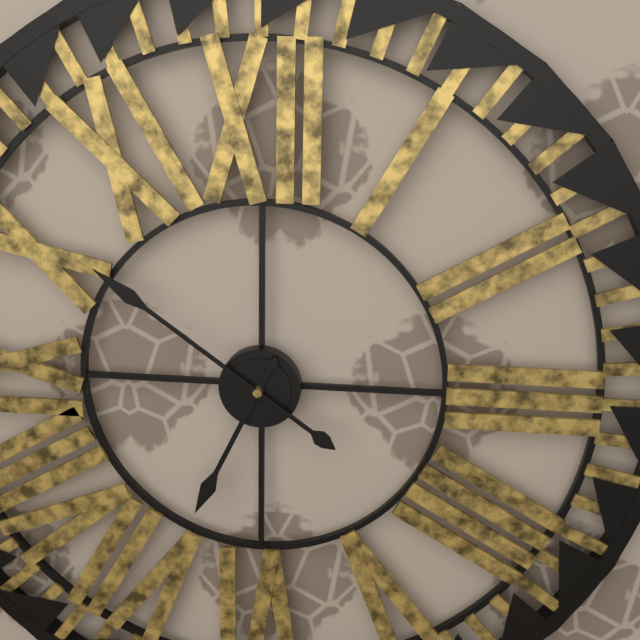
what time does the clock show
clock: 6:51
